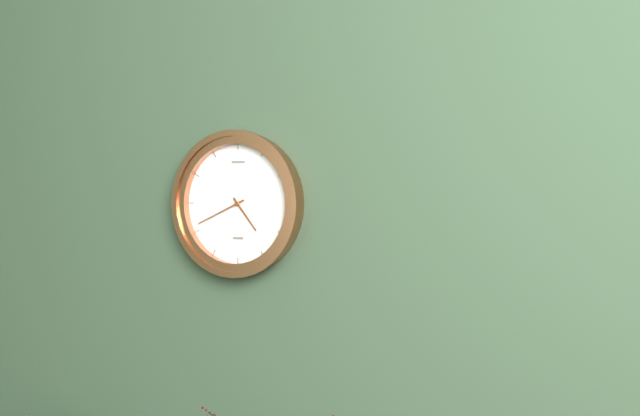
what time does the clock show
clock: 4:41
